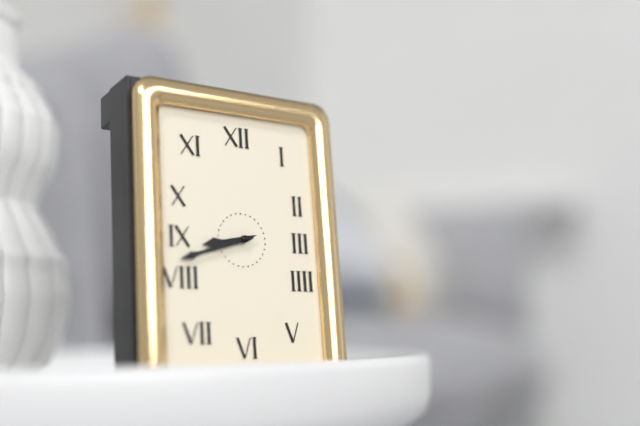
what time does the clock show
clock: 8:42
